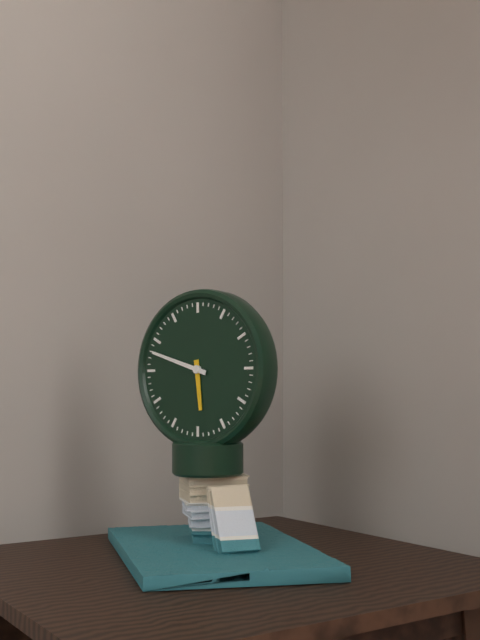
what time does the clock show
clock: 5:48
